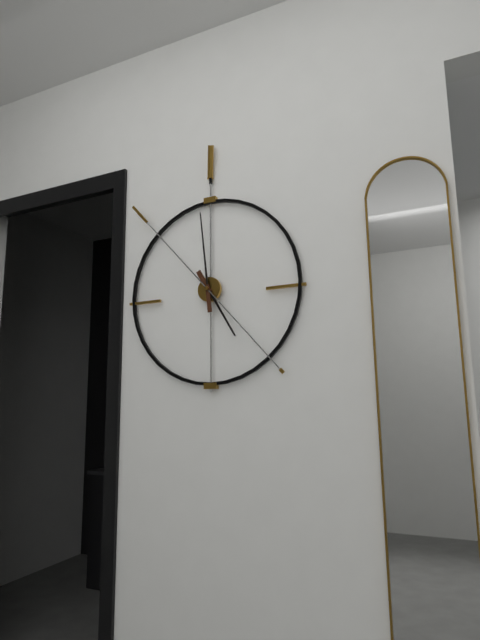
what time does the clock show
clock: 4:59:53
